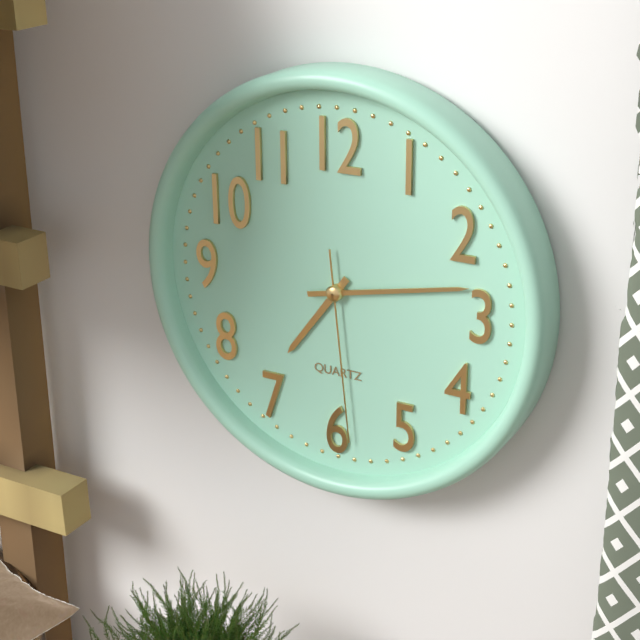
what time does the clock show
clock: 7:13:29
